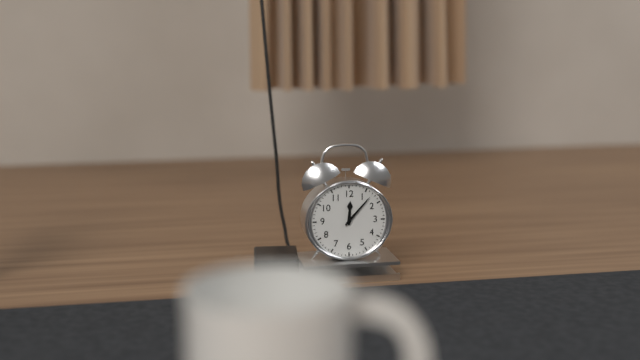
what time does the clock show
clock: 12:07
